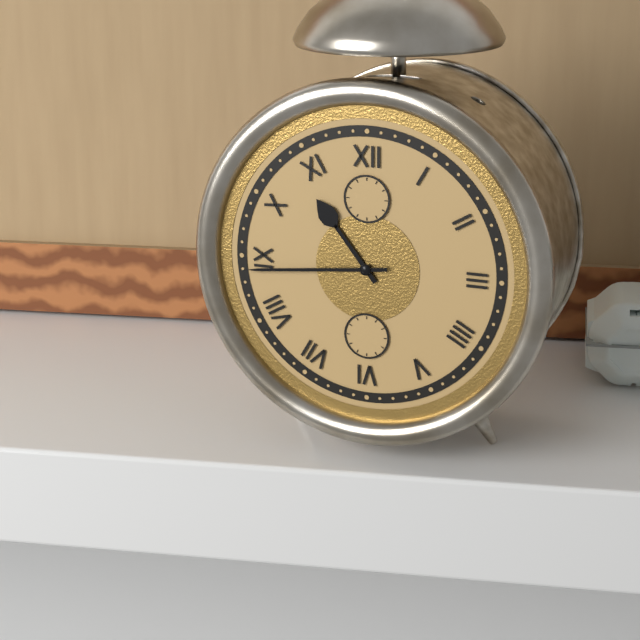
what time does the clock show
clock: 10:44
